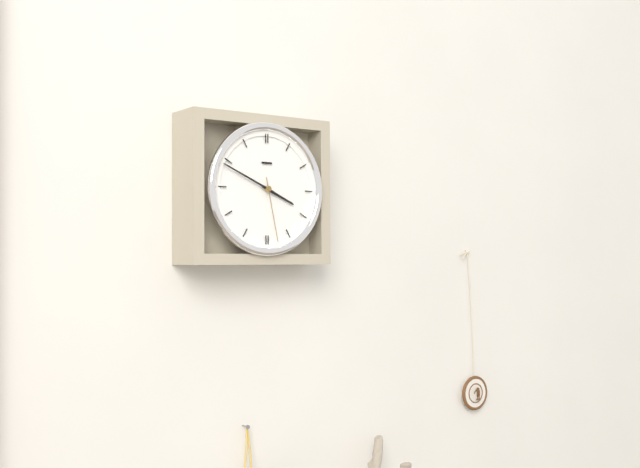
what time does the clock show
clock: 3:49:28
